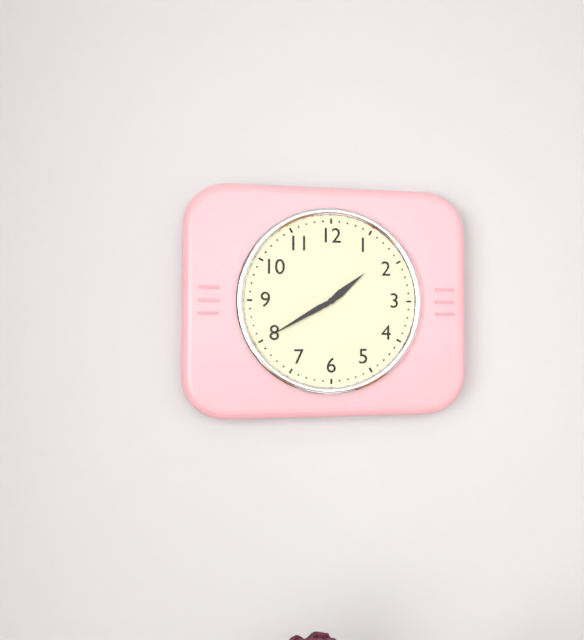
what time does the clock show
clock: 1:40
